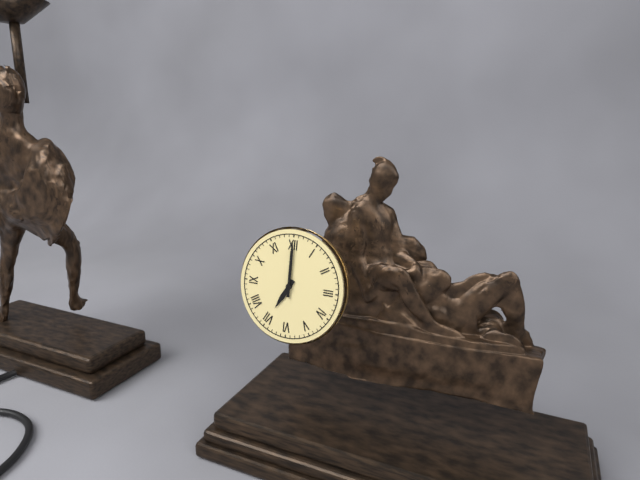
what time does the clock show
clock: 7:00
